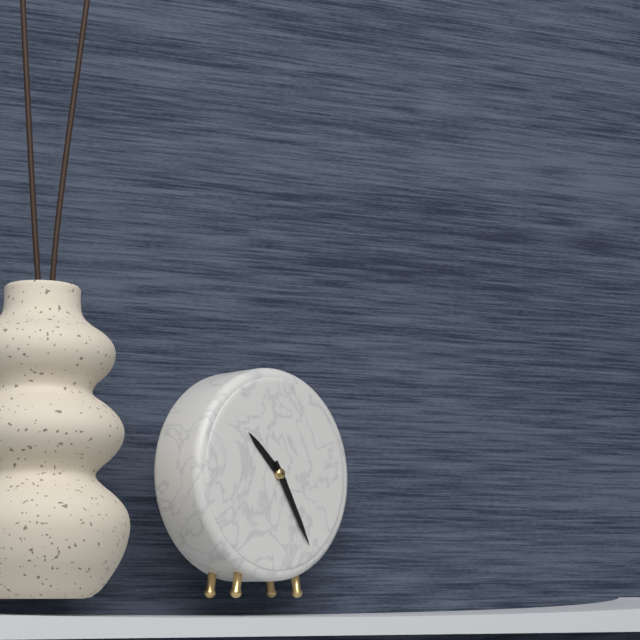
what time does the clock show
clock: 10:25
